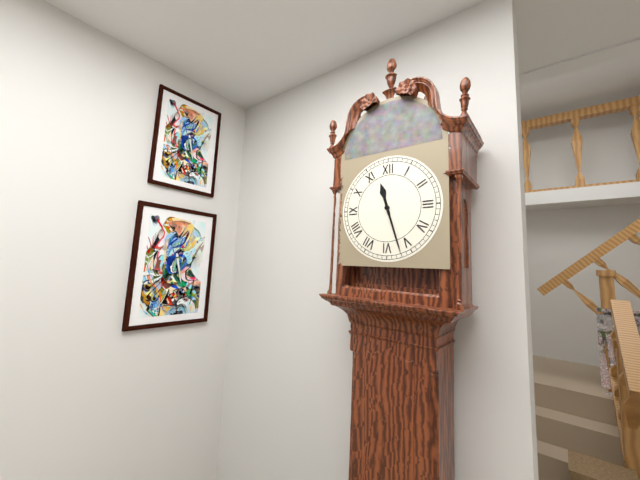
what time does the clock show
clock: 11:27
